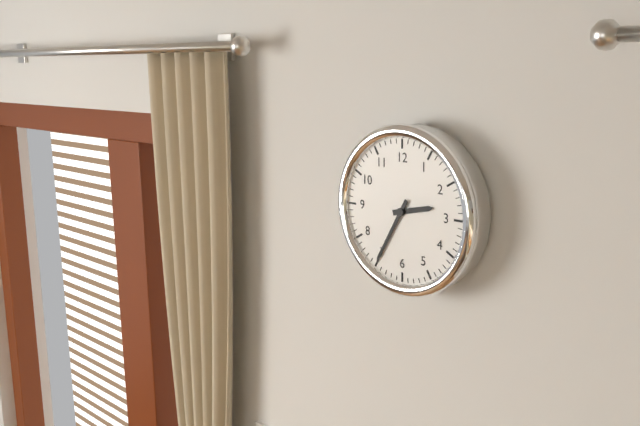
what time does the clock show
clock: 2:35
